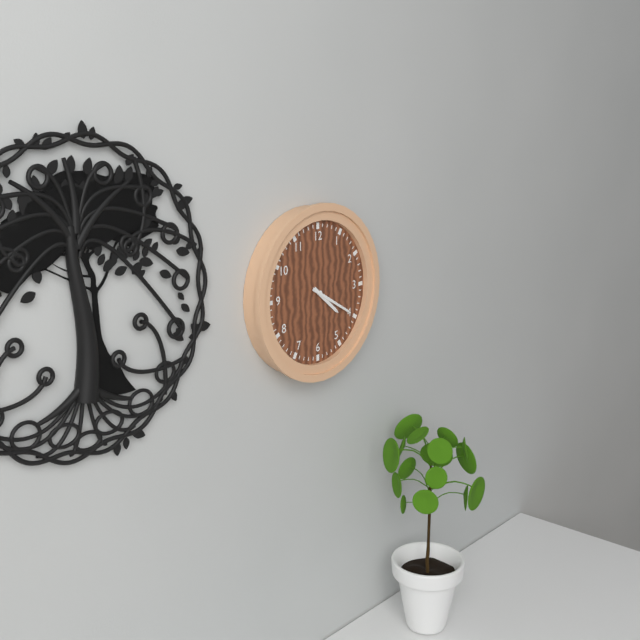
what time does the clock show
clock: 4:20
